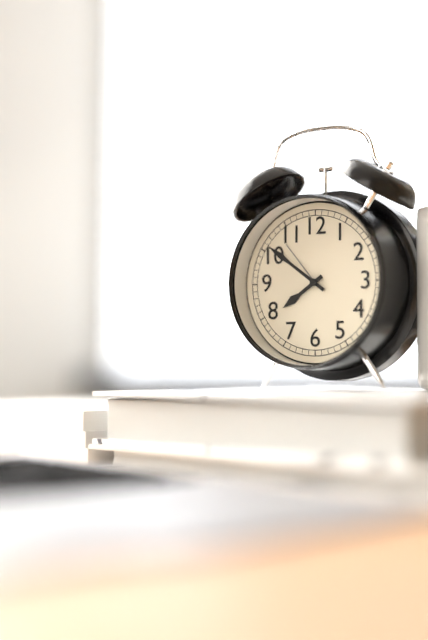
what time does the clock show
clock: 7:51
